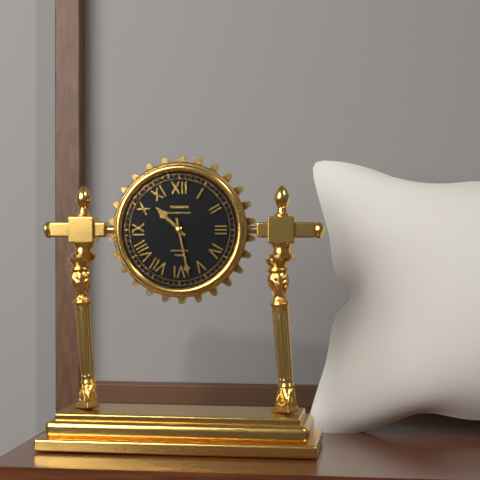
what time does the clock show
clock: 10:28
